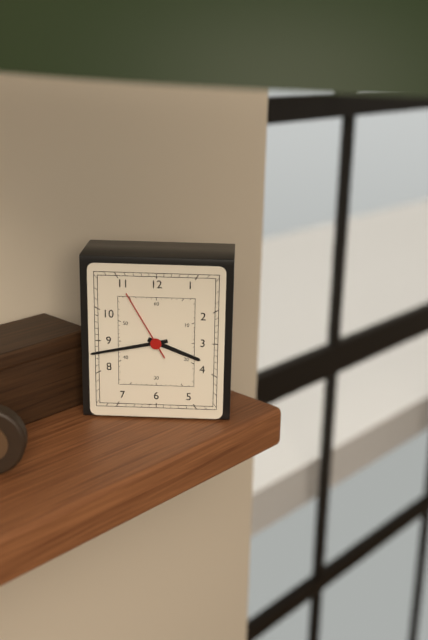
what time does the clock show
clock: 3:43:55
